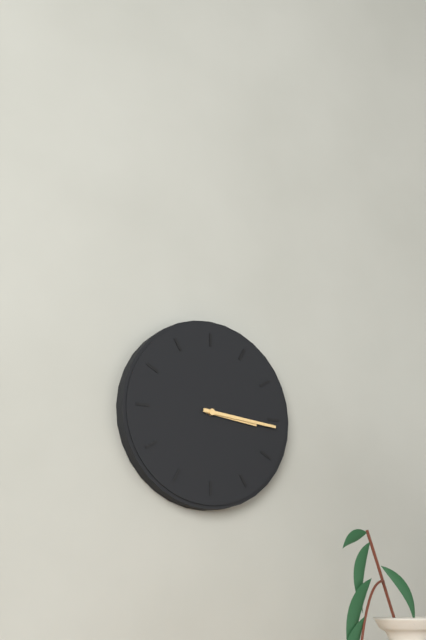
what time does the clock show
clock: 3:16
